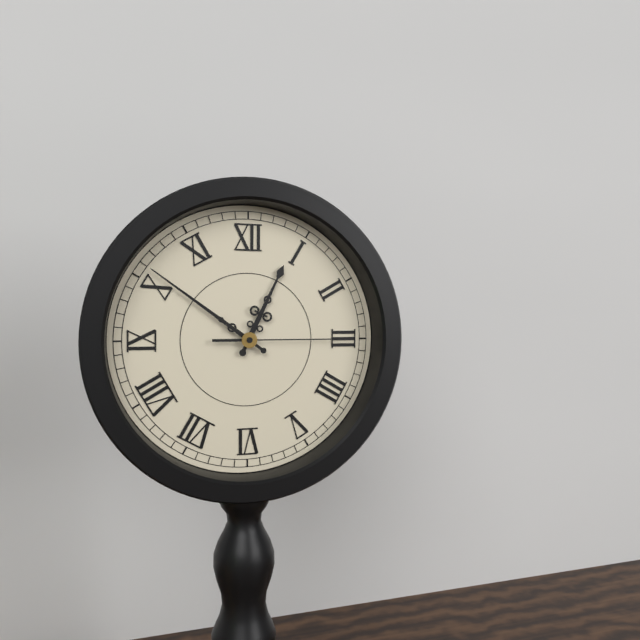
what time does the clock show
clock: 12:51:15
